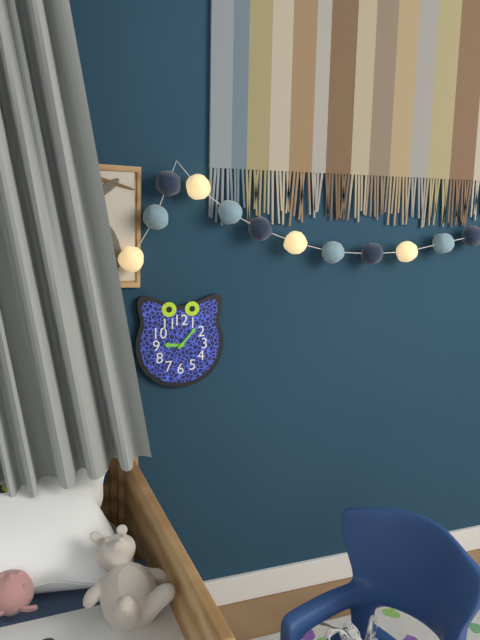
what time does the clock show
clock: 9:07
